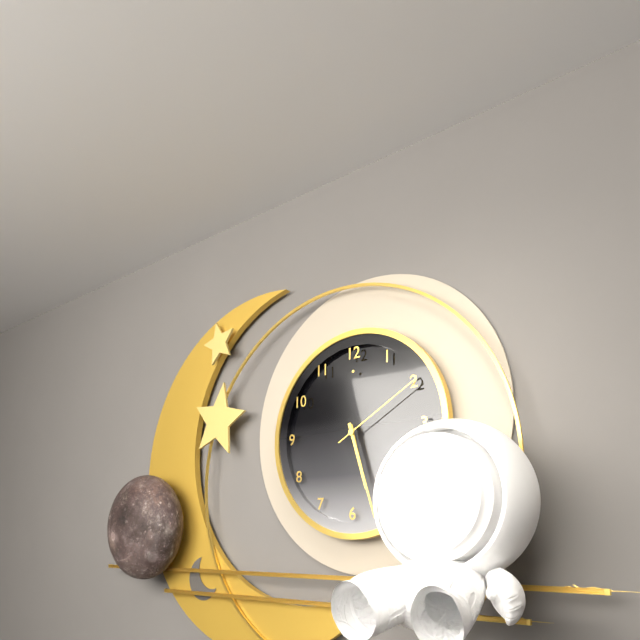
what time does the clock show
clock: 5:27:10
